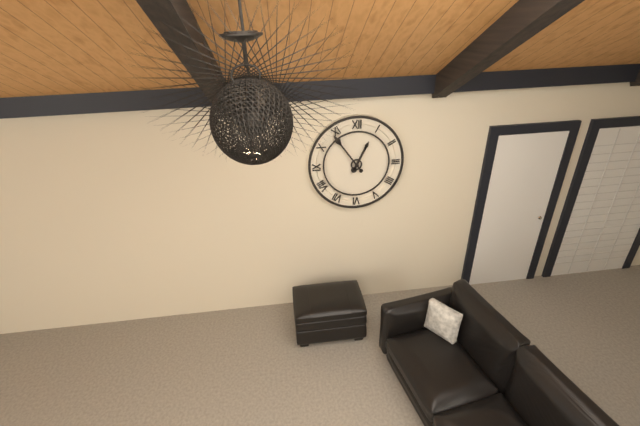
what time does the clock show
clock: 12:54
